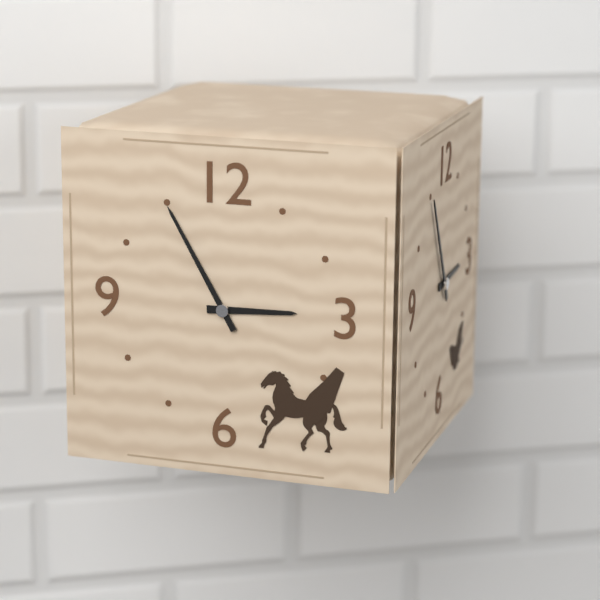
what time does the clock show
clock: 2:55
